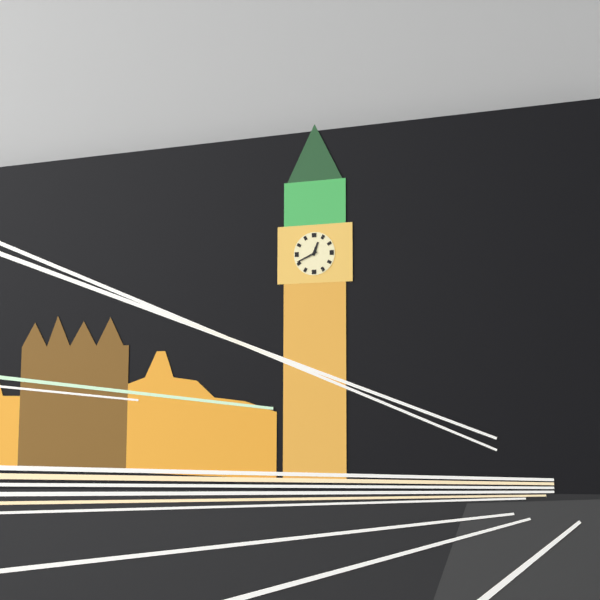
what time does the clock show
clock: 12:41
